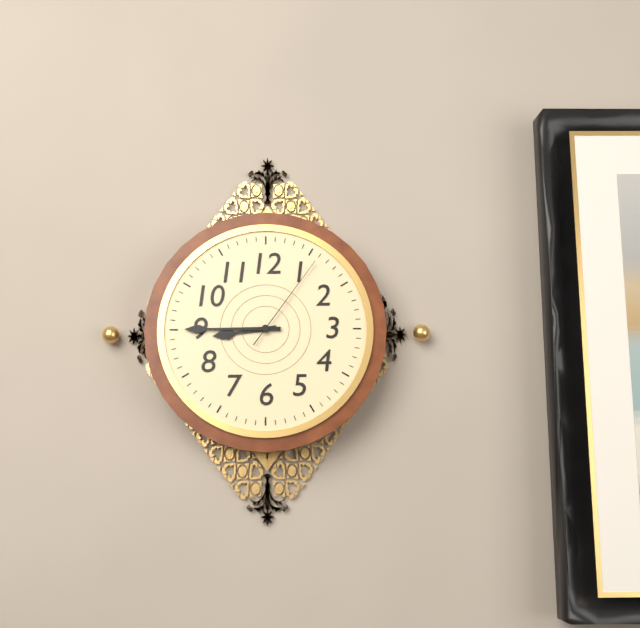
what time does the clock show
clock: 8:45:06
